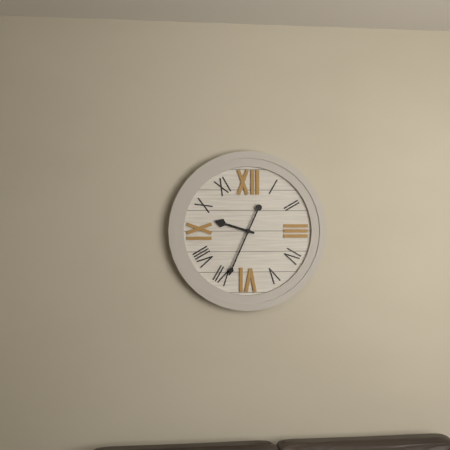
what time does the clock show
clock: 9:34
